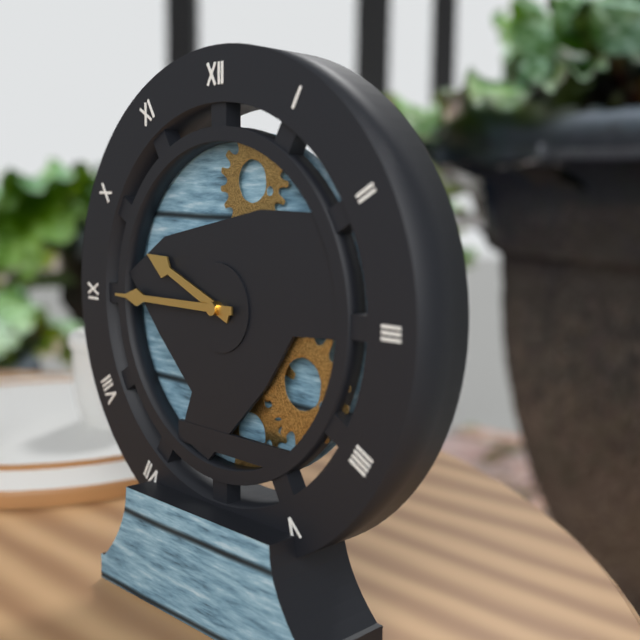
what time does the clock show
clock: 9:45
